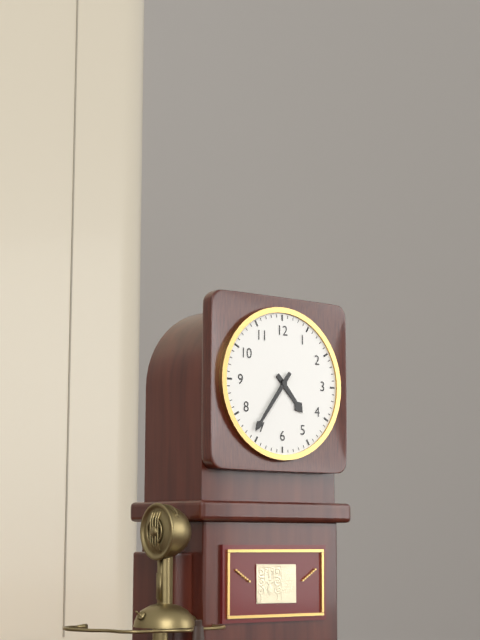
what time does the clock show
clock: 4:36
